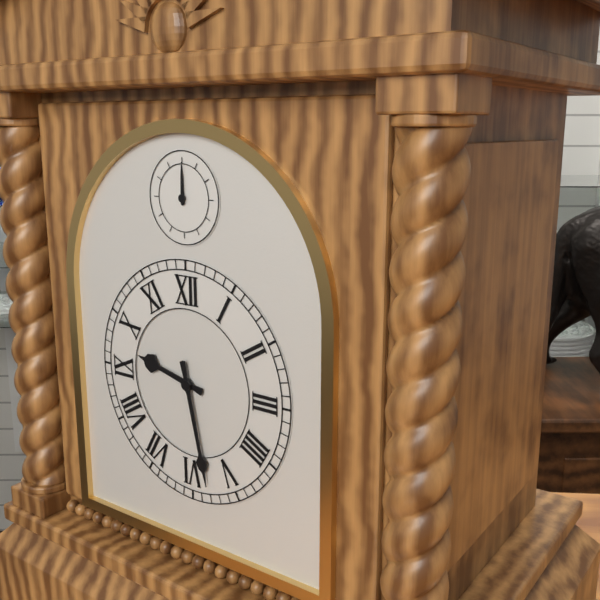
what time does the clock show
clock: 9:28
